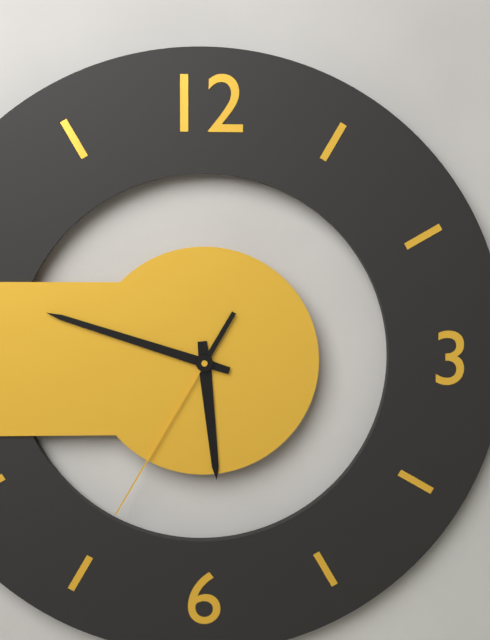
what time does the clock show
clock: 5:48:35
